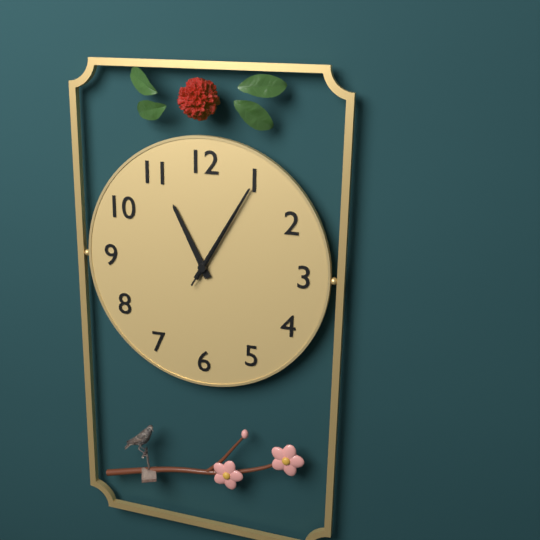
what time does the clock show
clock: 11:05:05
